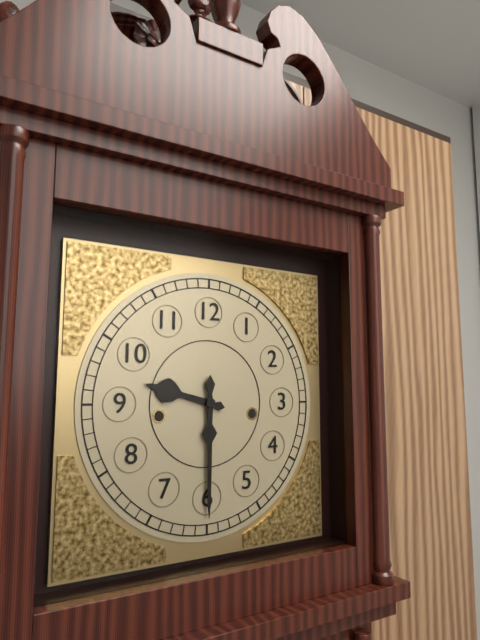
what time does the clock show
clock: 9:30
